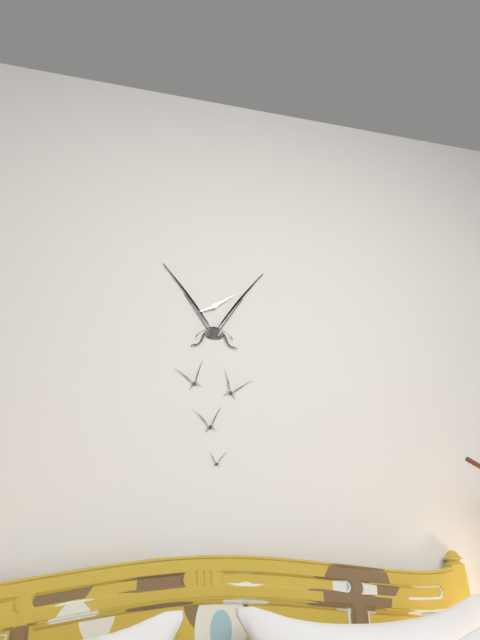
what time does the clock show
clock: 8:09
